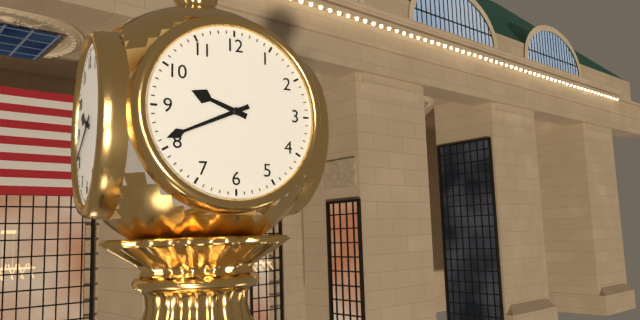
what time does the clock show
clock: 9:41
